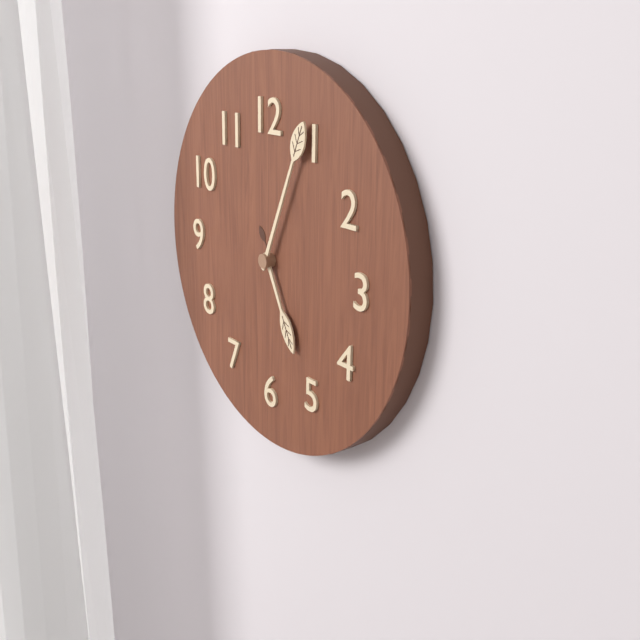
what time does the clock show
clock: 5:04
